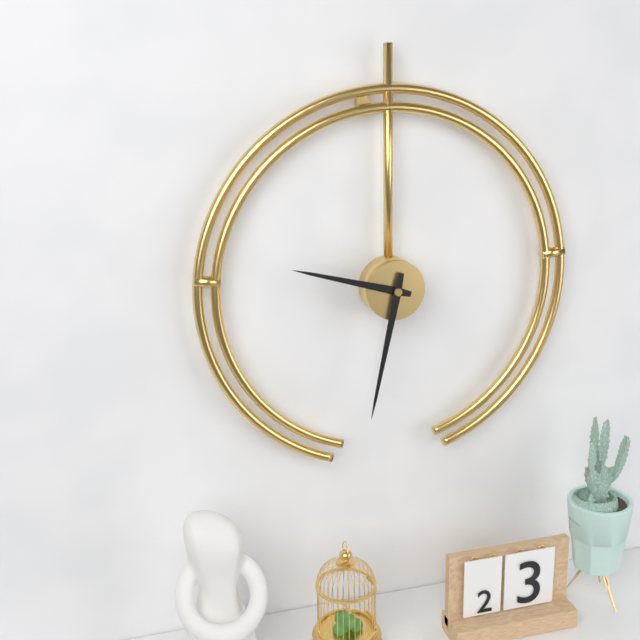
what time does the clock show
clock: 9:32
